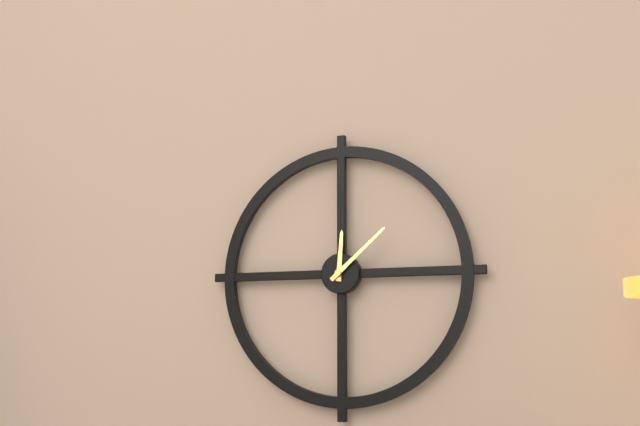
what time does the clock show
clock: 12:08
